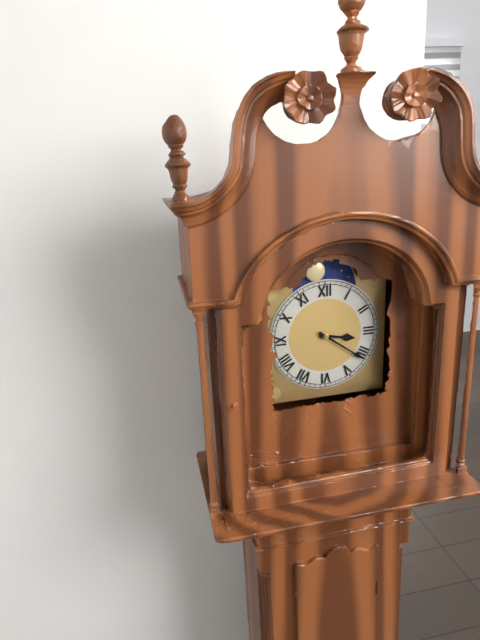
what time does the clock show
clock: 3:21
